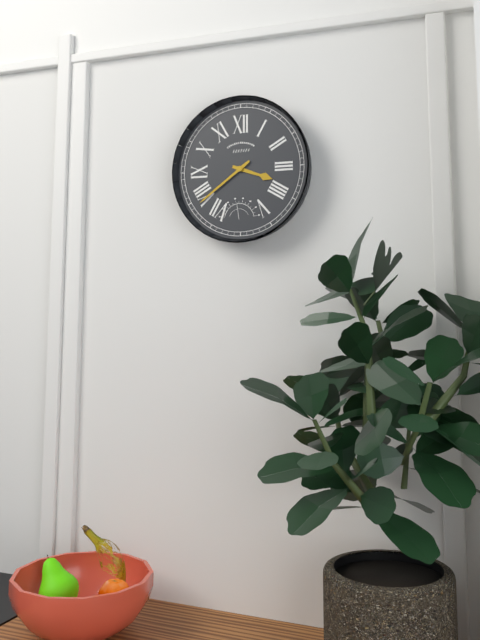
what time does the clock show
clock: 3:39
